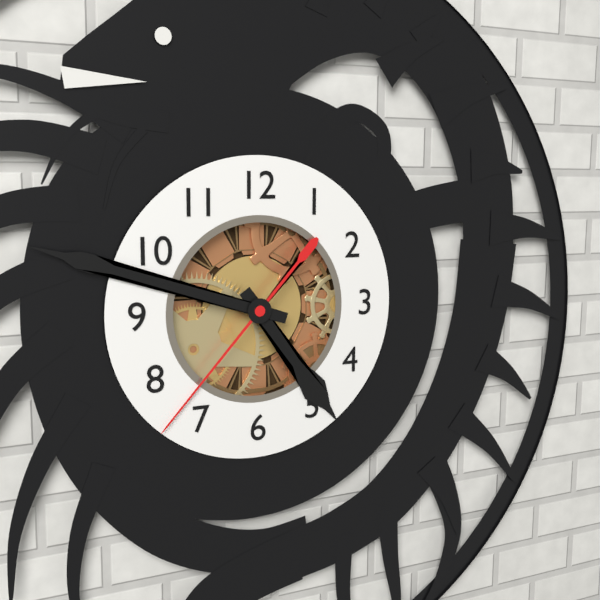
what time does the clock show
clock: 4:48:37
